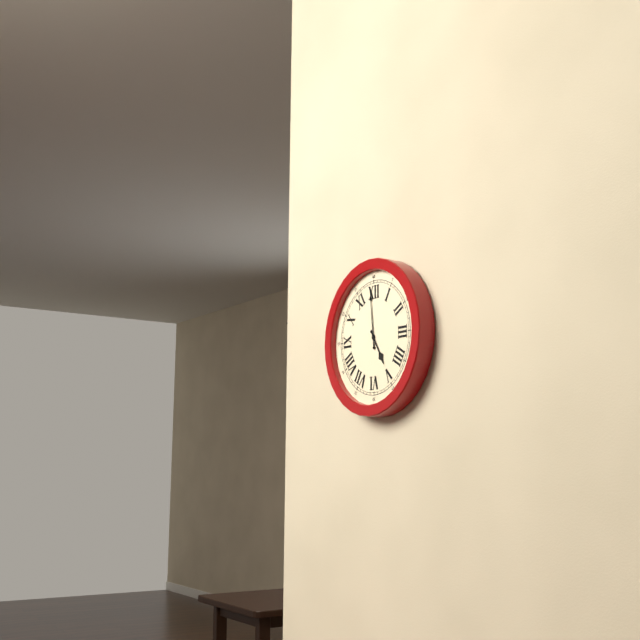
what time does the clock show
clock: 4:59
